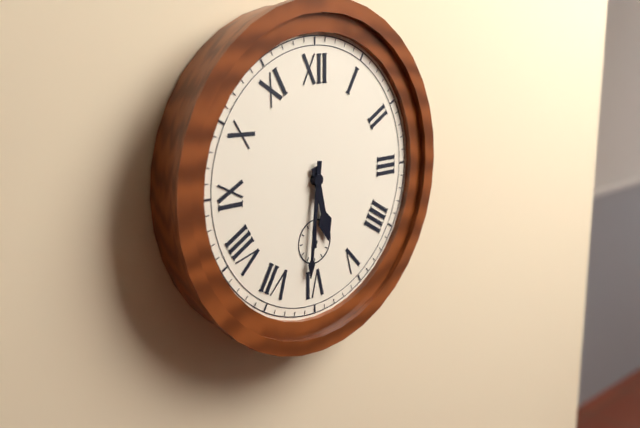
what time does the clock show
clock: 5:31
